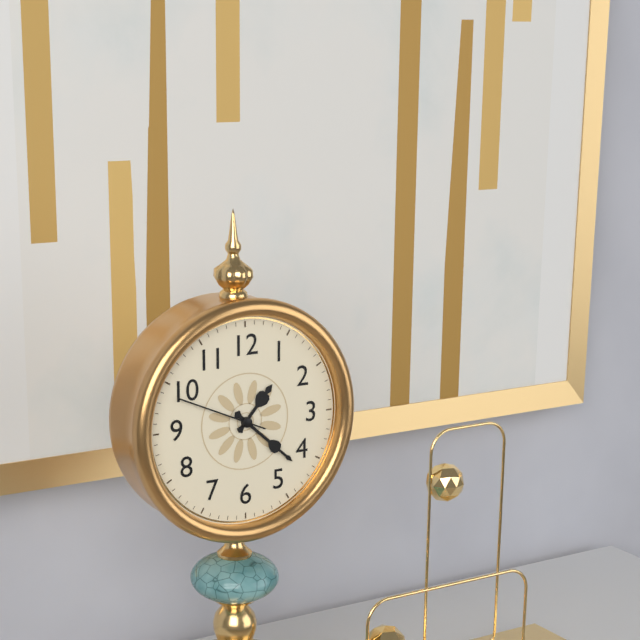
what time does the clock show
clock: 1:22:49
